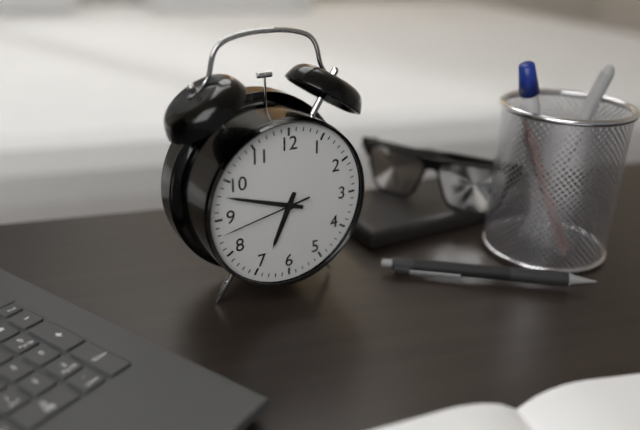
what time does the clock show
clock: 6:48:43
